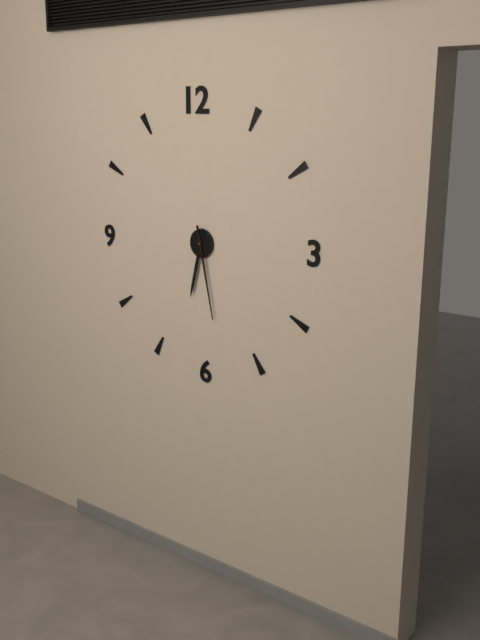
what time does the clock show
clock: 6:28
